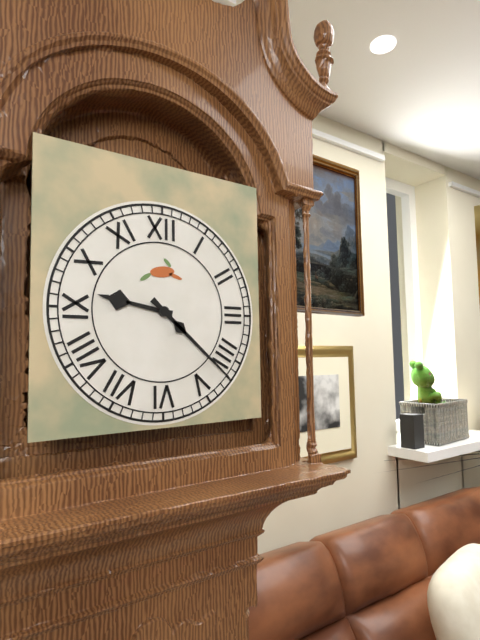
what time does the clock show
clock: 9:22
